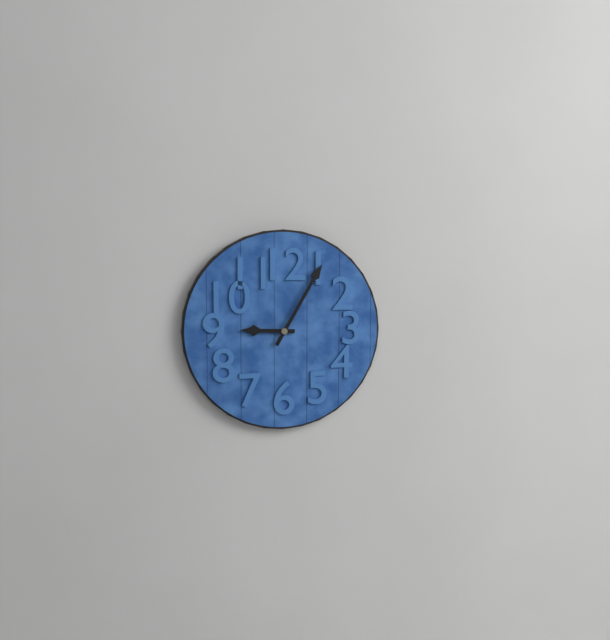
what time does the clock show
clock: 9:05
